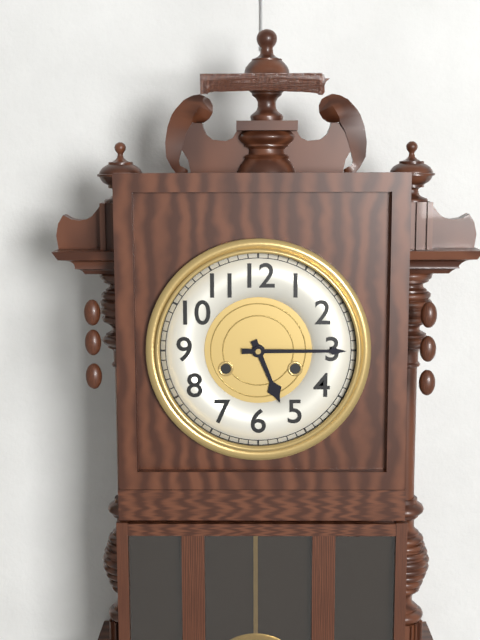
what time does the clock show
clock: 5:15
